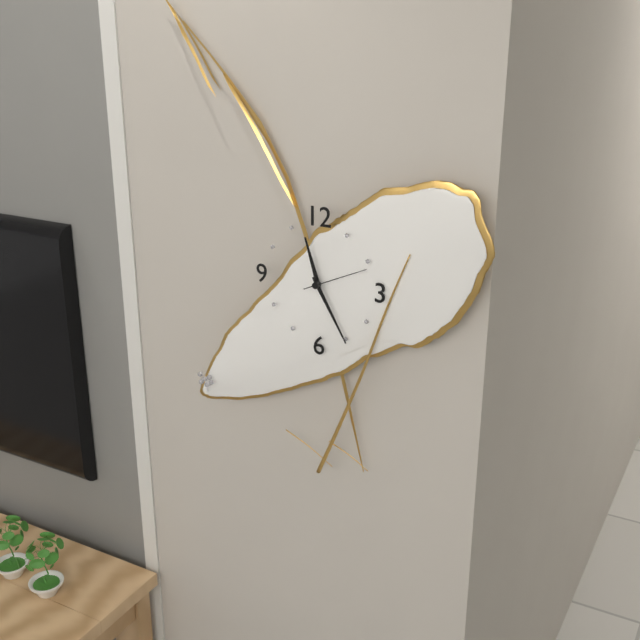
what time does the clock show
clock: 11:25:11
